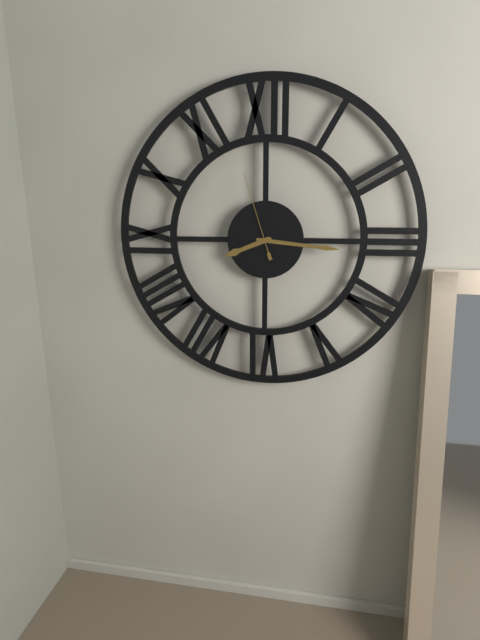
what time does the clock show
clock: 8:16:57
